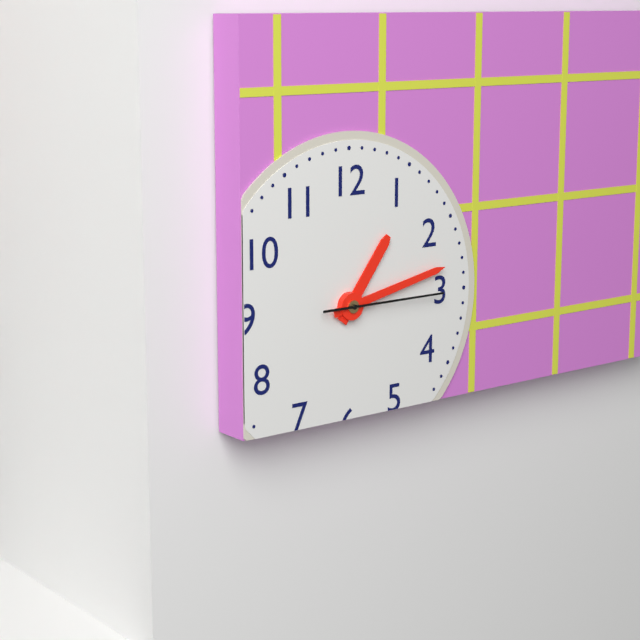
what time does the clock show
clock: 1:13:15
